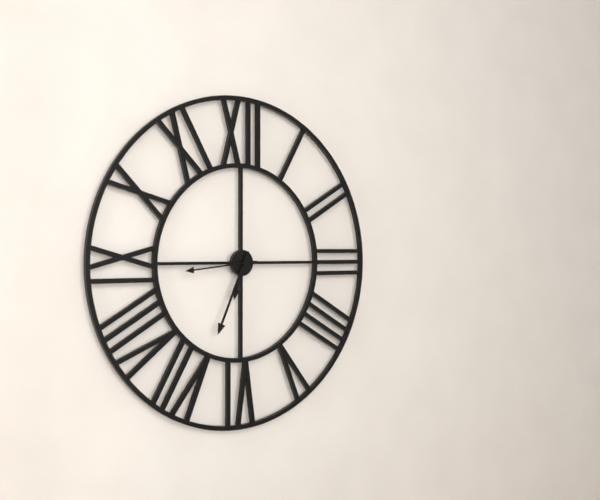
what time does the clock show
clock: 6:34:44
